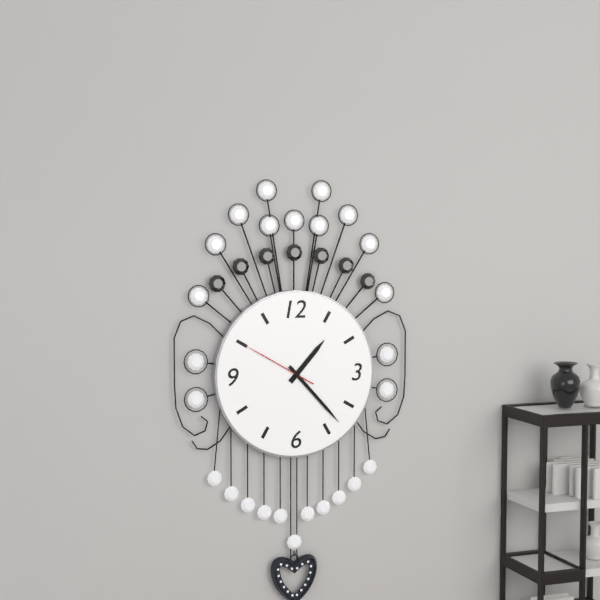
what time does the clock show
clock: 1:23:50
